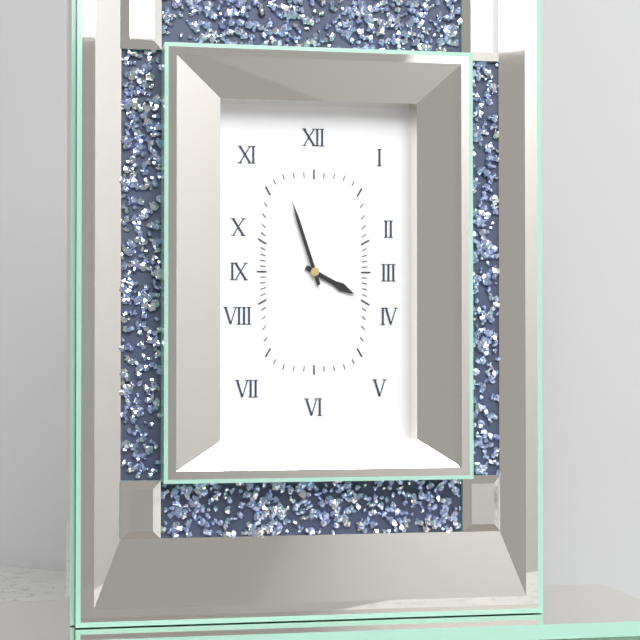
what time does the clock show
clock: 3:57
